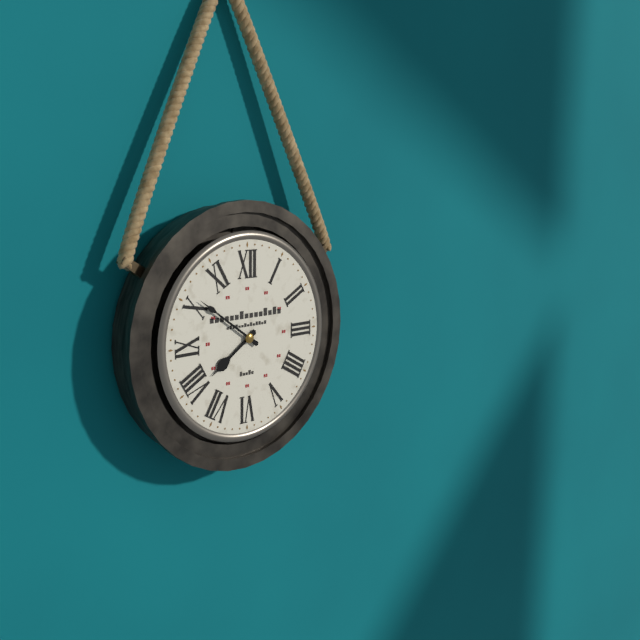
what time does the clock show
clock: 7:51
